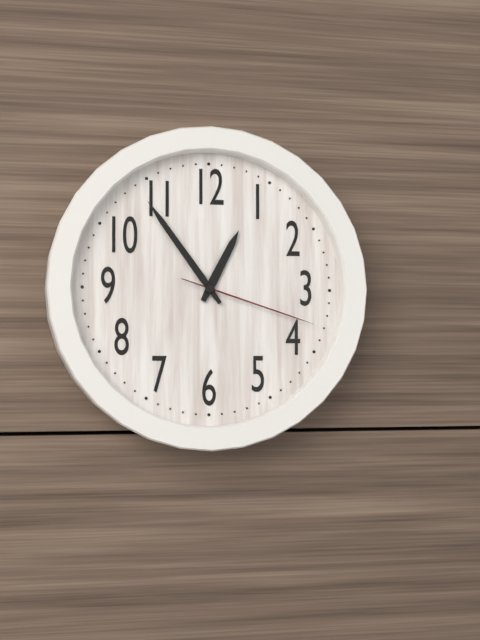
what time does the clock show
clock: 12:54:18
